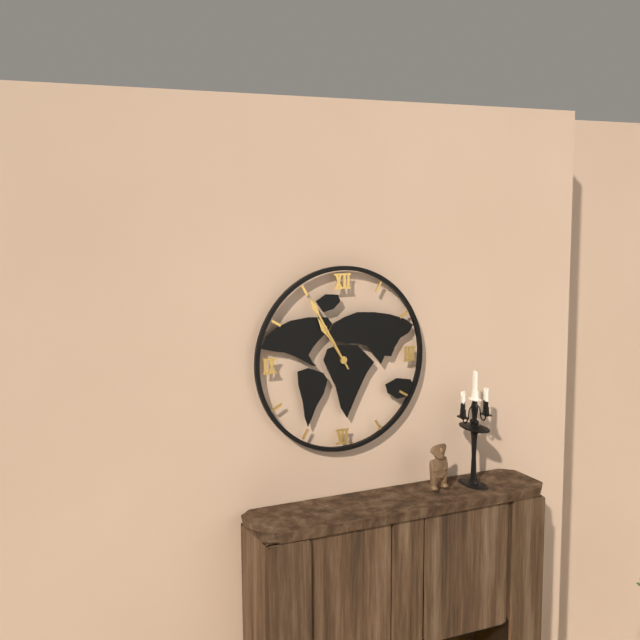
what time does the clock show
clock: 10:55
